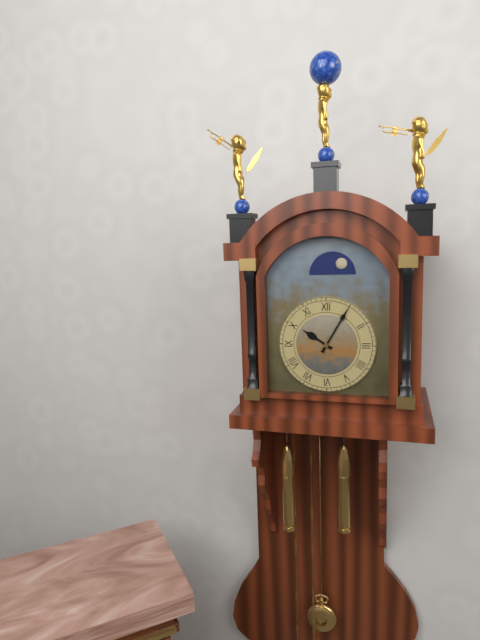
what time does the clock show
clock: 10:05
